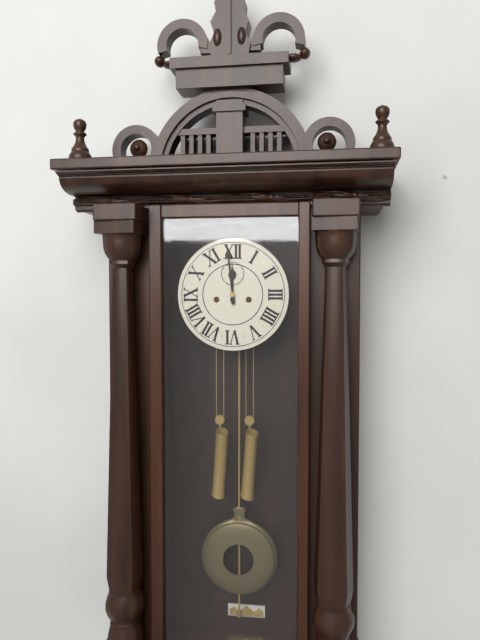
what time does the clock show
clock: 11:59
